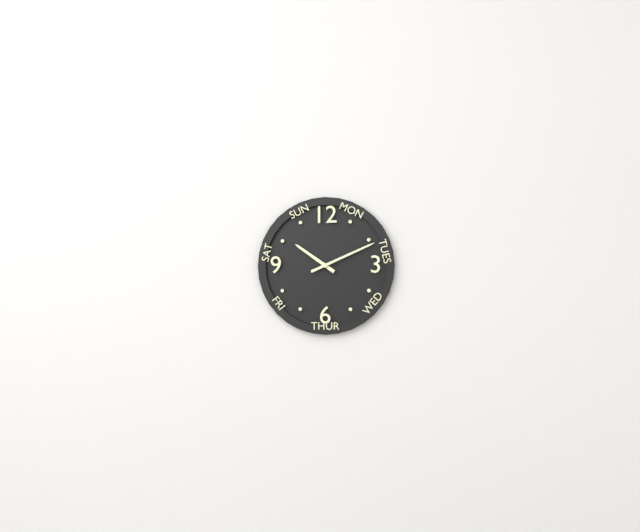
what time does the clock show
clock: 10:11
